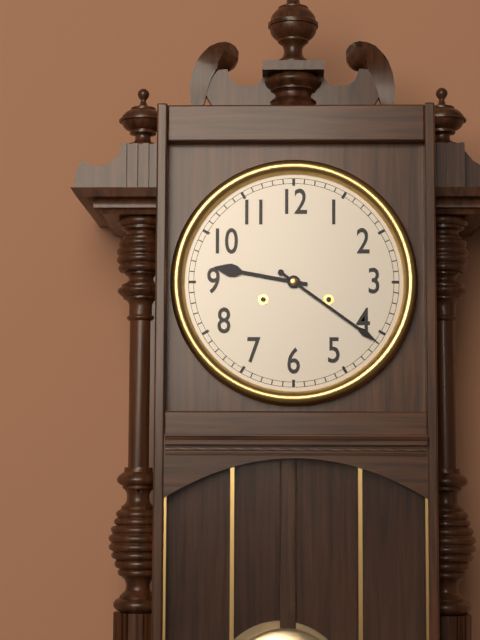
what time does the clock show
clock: 9:21
